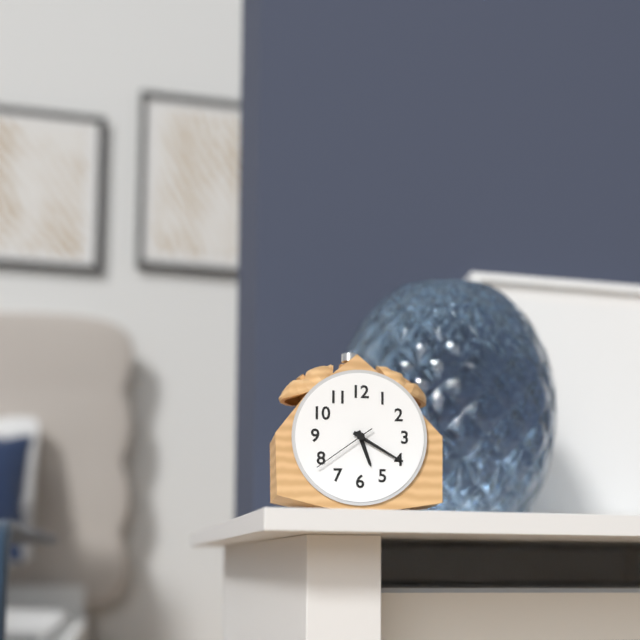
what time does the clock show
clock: 5:20:39
